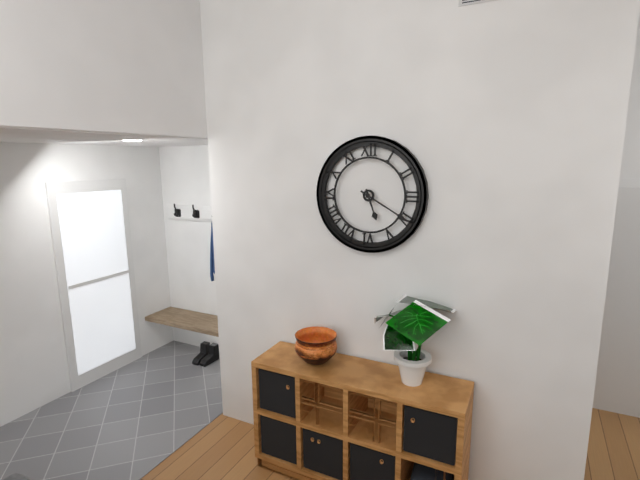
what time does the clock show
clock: 5:20
